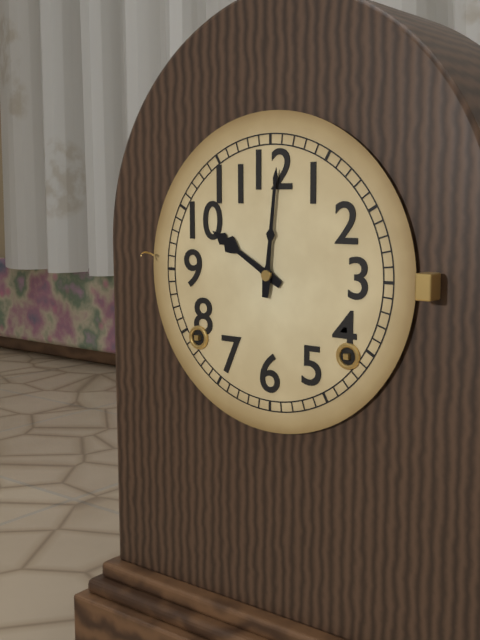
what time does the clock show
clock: 10:01
